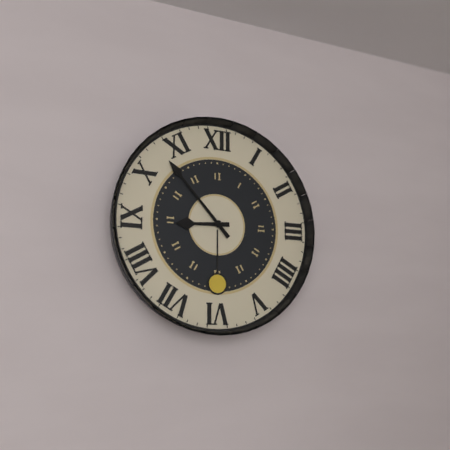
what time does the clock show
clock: 8:53
